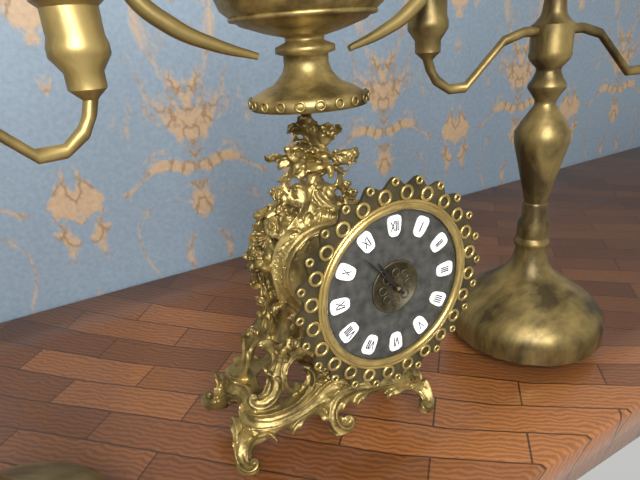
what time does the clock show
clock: 10:53
